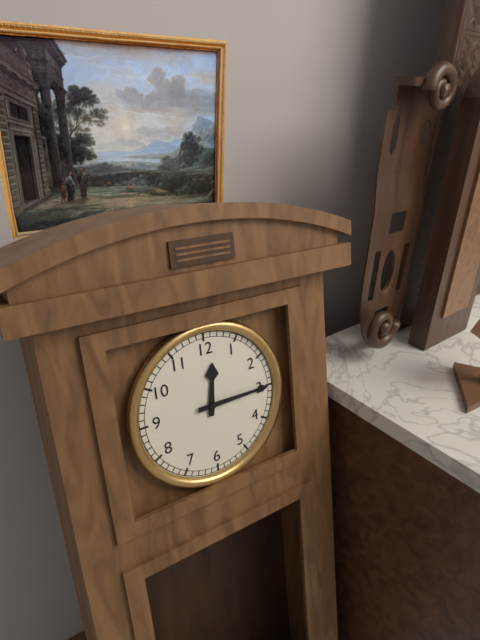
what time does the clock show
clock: 12:15
